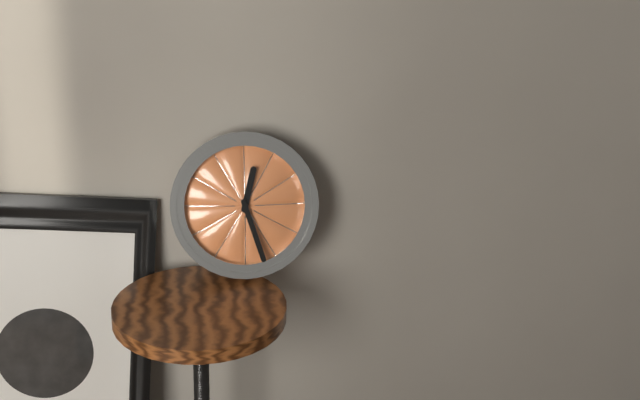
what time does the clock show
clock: 12:27
